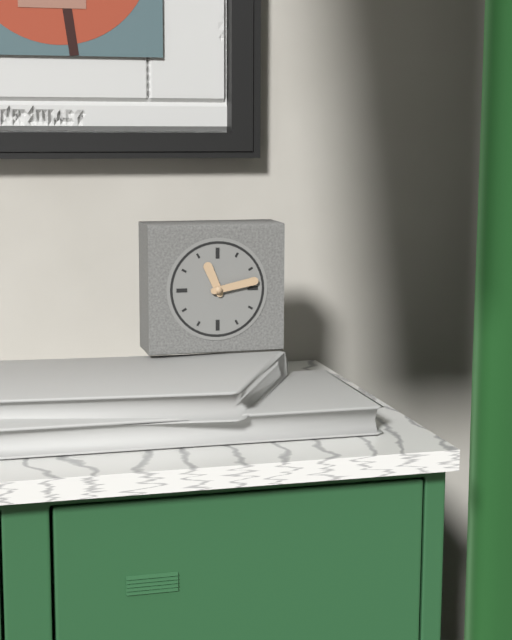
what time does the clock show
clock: 11:13
